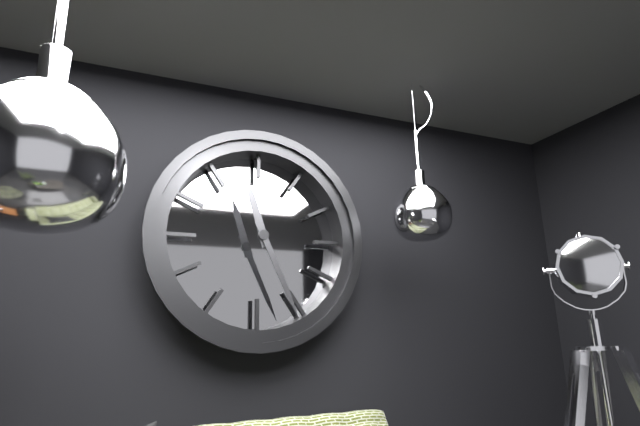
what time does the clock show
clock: 11:26
